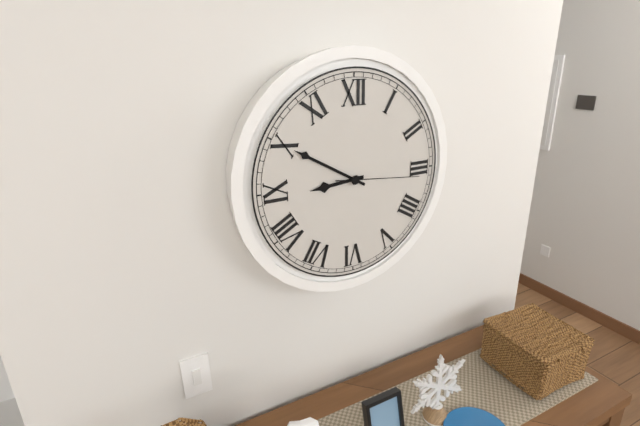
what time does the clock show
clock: 8:50:16
